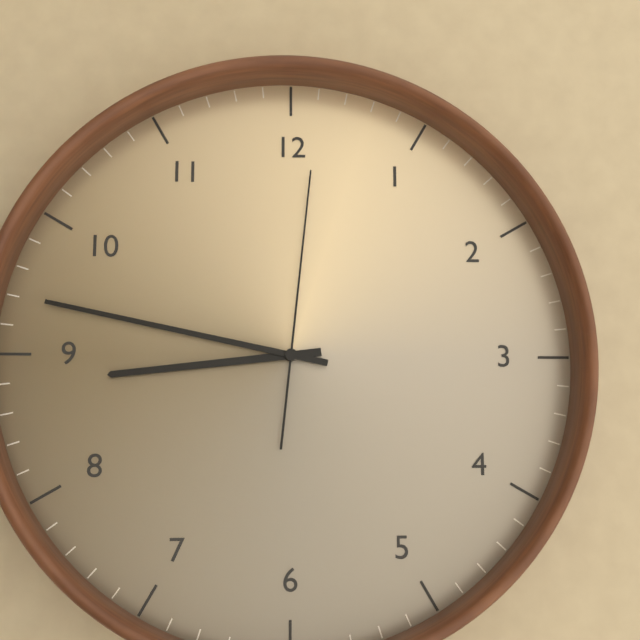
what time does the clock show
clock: 8:47:01
